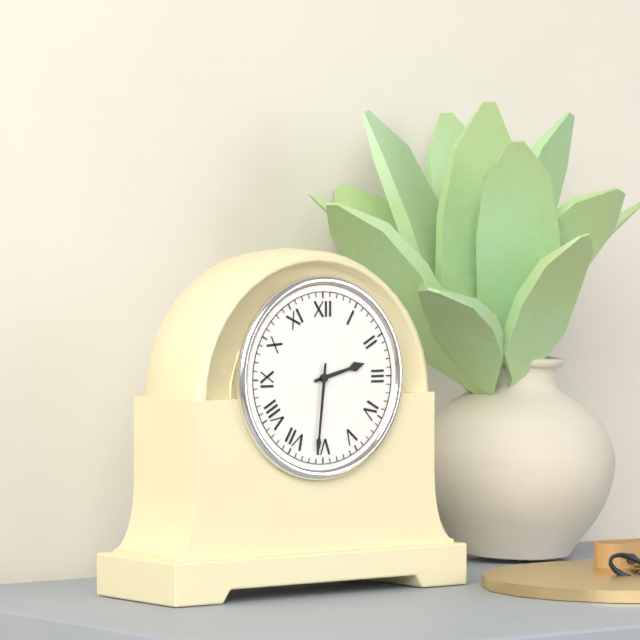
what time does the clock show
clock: 2:31
